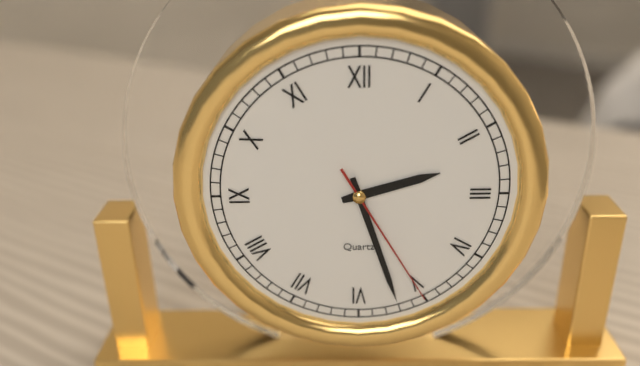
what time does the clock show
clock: 2:27:25
